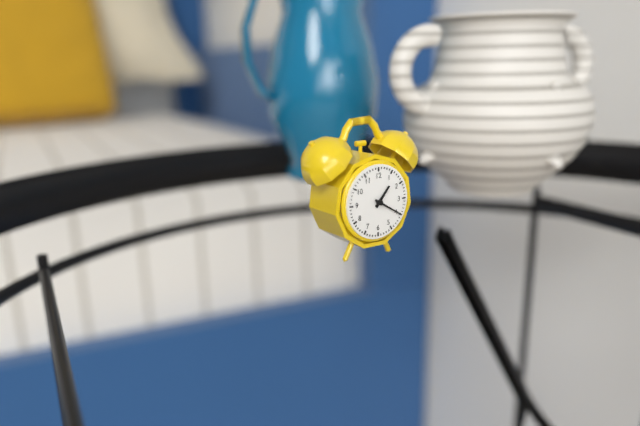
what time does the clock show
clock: 1:20
